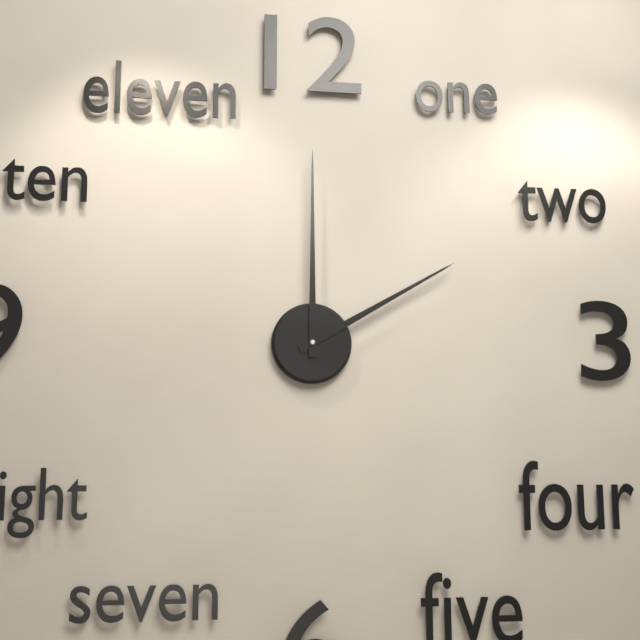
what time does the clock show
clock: 2:00
